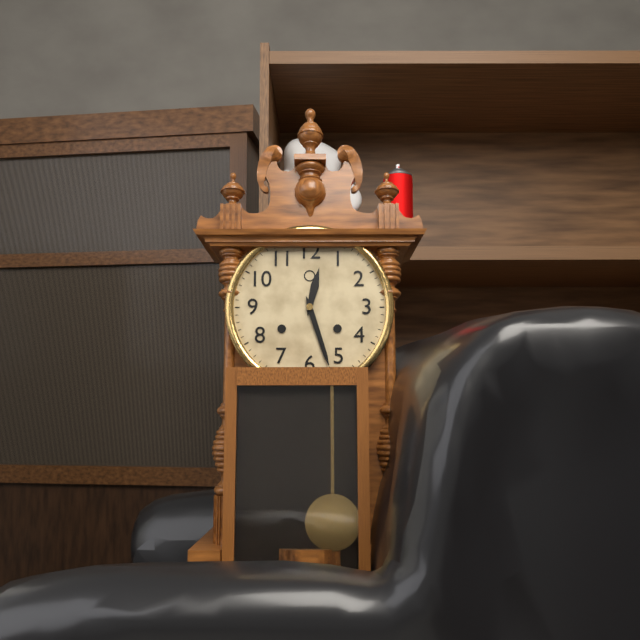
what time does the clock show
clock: 12:27
